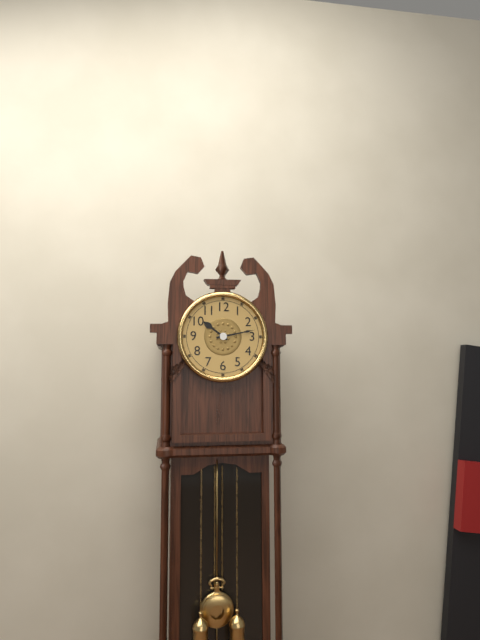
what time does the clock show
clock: 10:13
